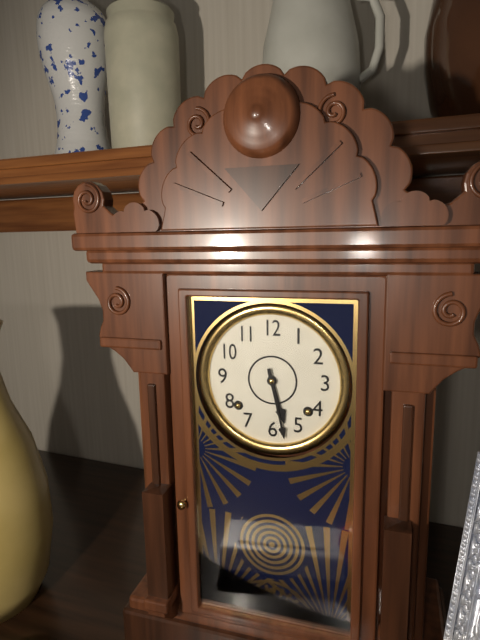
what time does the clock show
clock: 5:28
